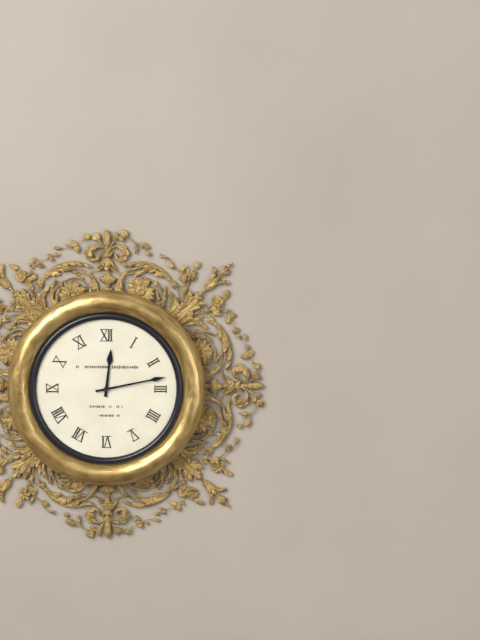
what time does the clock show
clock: 12:13
